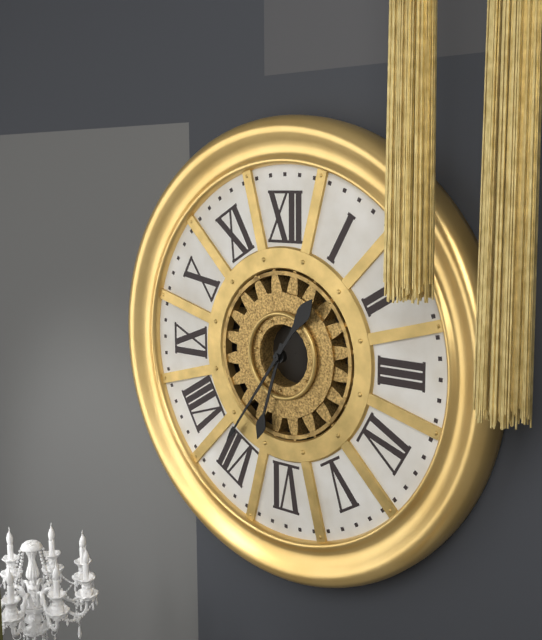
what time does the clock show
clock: 6:36
